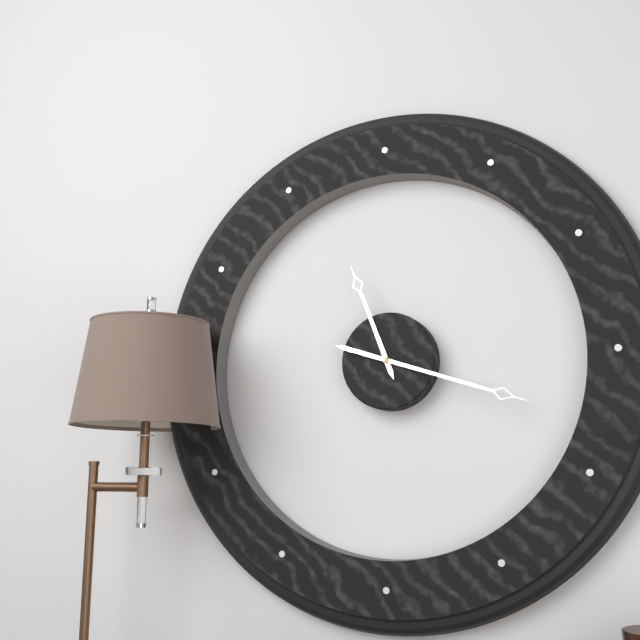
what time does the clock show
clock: 11:18
